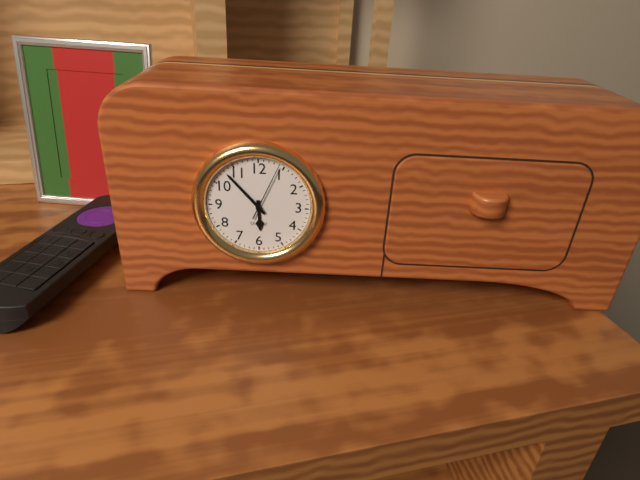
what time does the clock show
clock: 5:53:04
